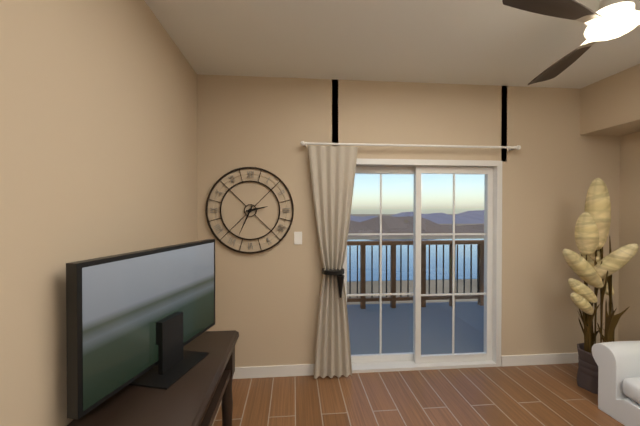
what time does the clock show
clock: 2:34
